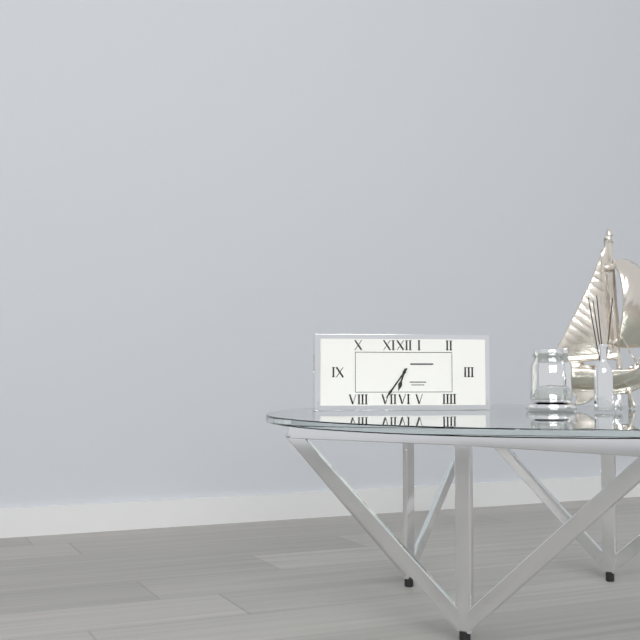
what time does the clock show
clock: 6:36
